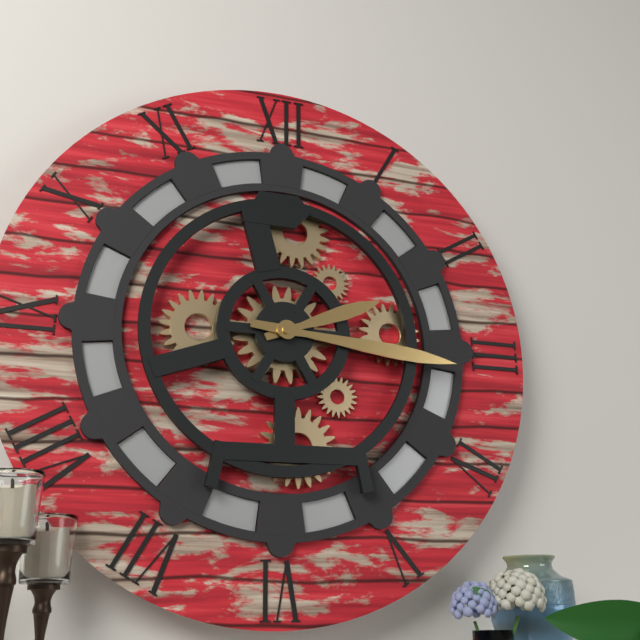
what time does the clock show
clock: 2:16
